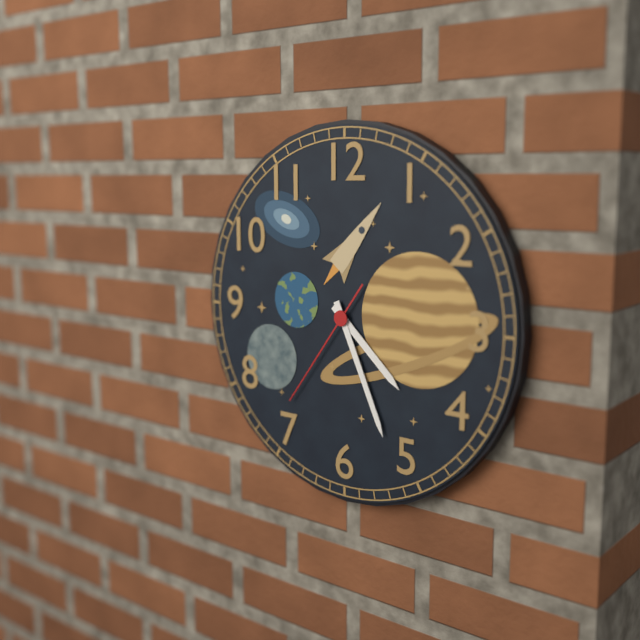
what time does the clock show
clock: 4:26:36
